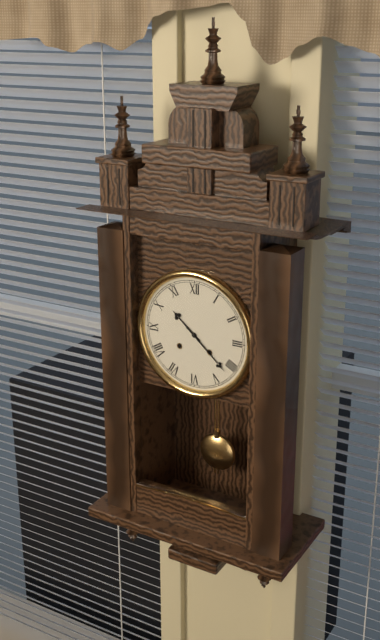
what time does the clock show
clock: 10:22
